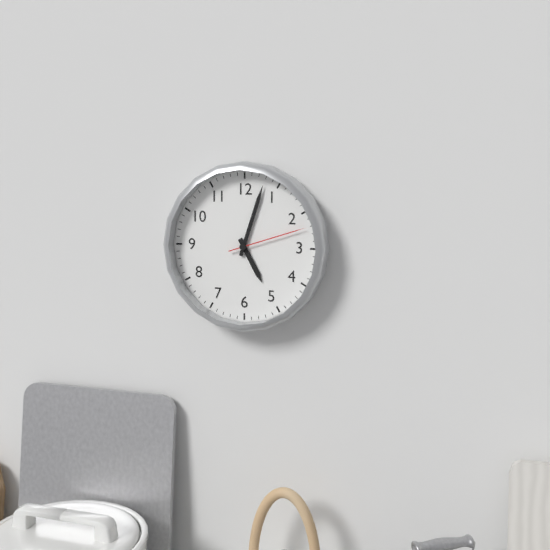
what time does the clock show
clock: 5:03:12
